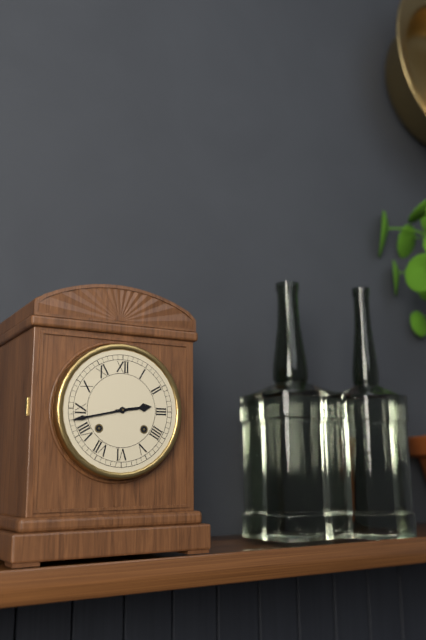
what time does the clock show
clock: 2:43
